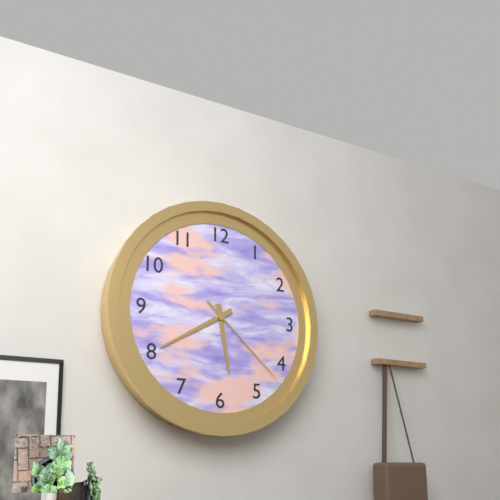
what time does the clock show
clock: 5:40:22
